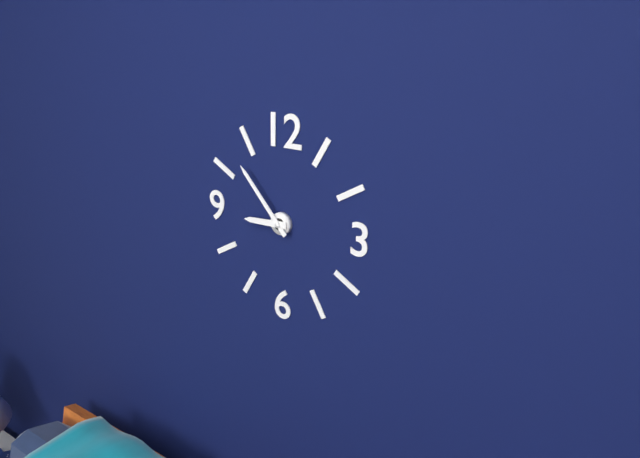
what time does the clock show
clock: 8:53
